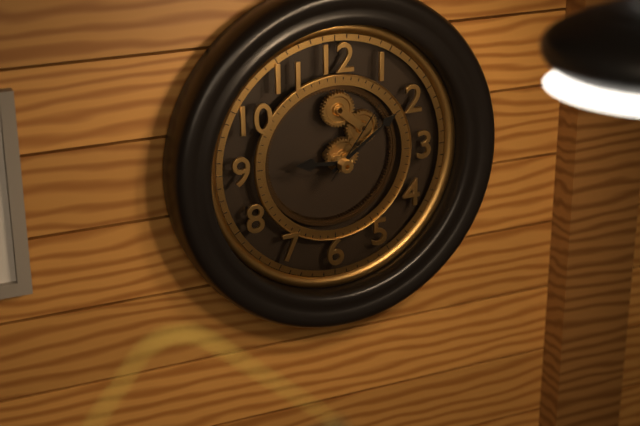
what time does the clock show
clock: 9:09:06
